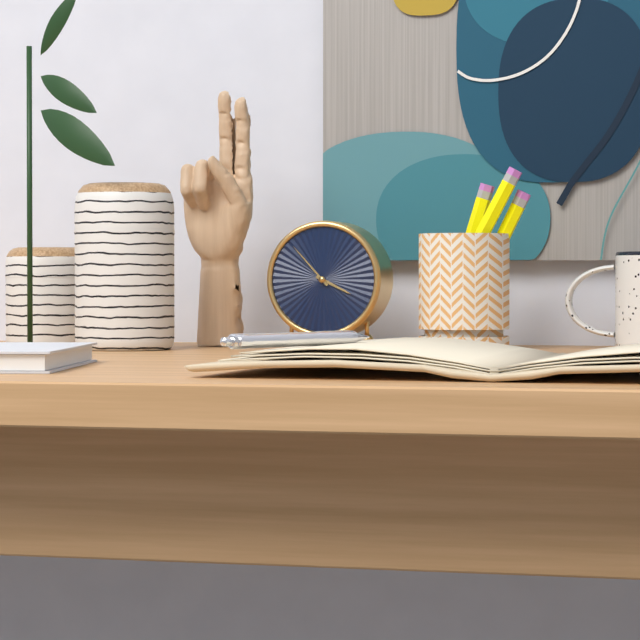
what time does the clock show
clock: 3:53
